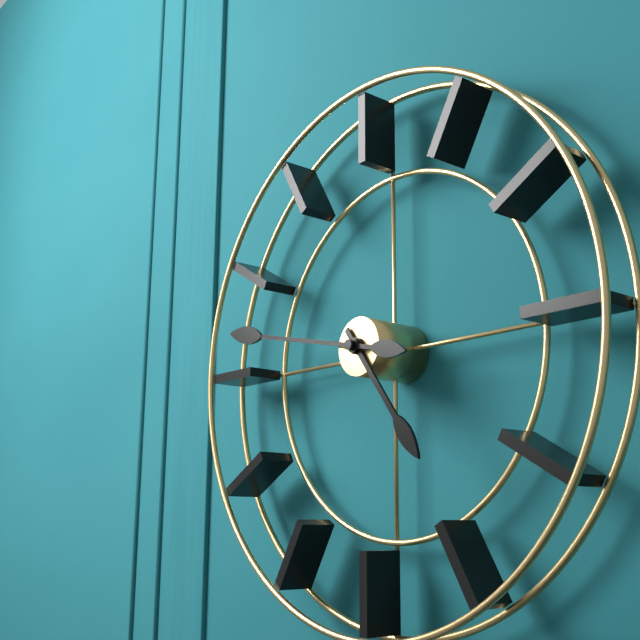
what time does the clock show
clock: 4:47
